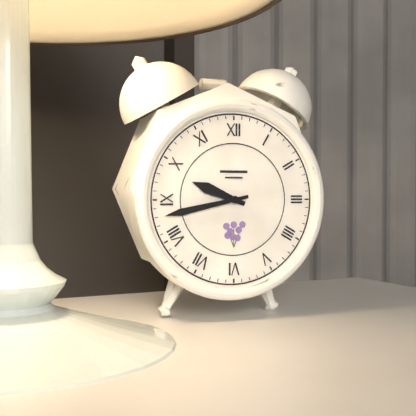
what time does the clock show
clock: 9:43
